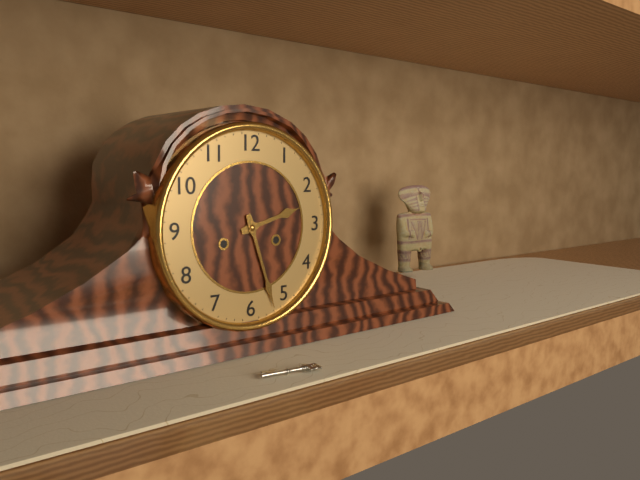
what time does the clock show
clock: 2:27
